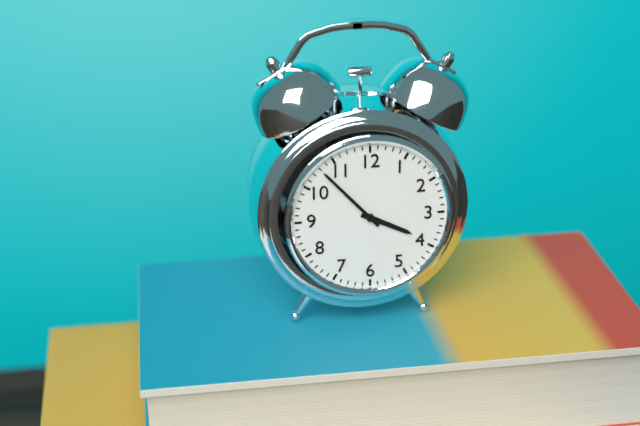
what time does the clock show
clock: 3:53
